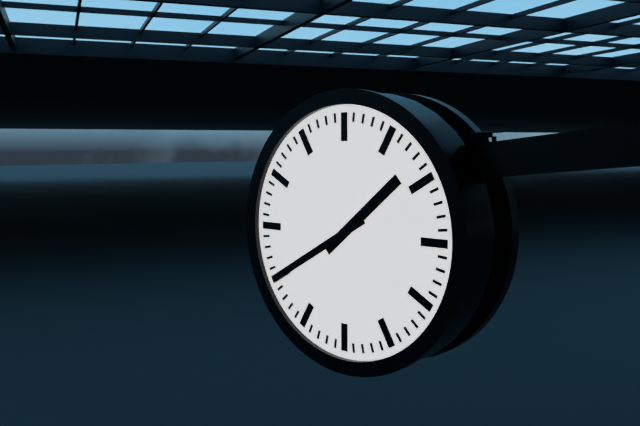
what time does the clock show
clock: 1:40
